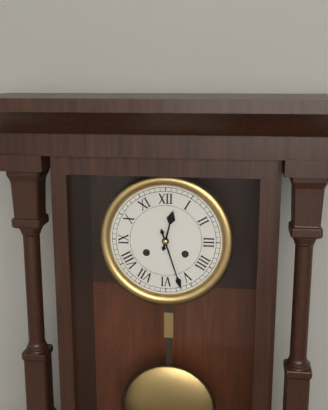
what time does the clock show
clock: 12:27
